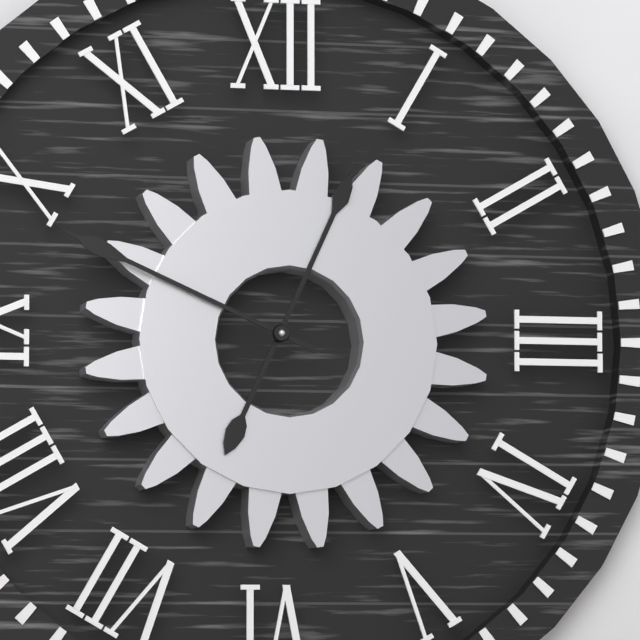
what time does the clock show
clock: 12:49
